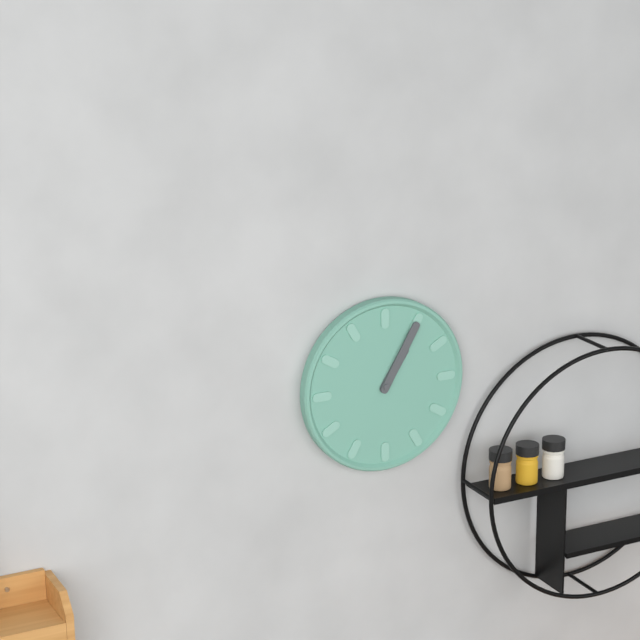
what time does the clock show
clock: 1:05
